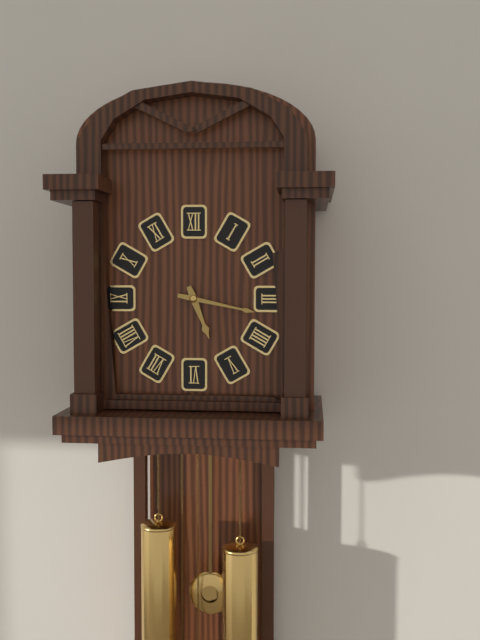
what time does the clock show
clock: 5:17
